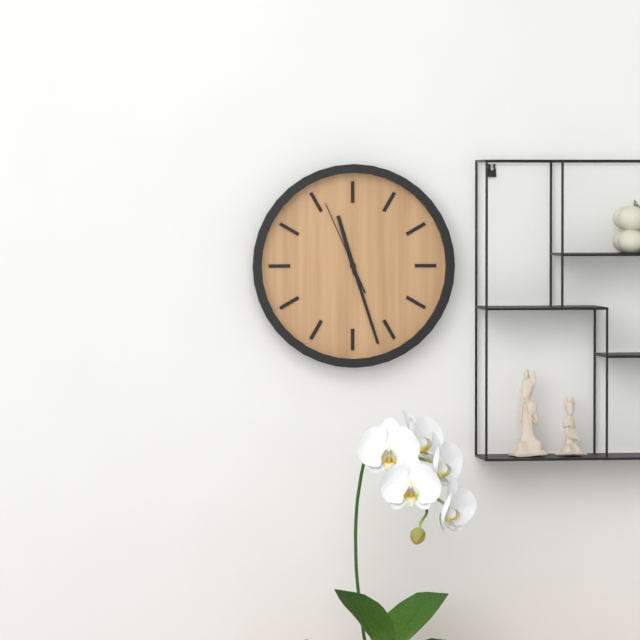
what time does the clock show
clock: 11:27:56
